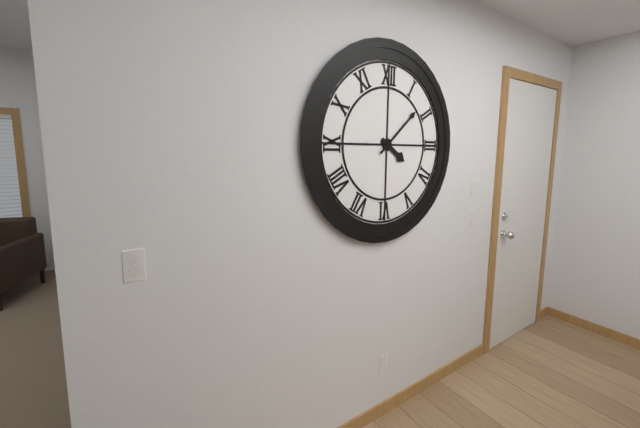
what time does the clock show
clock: 4:08
